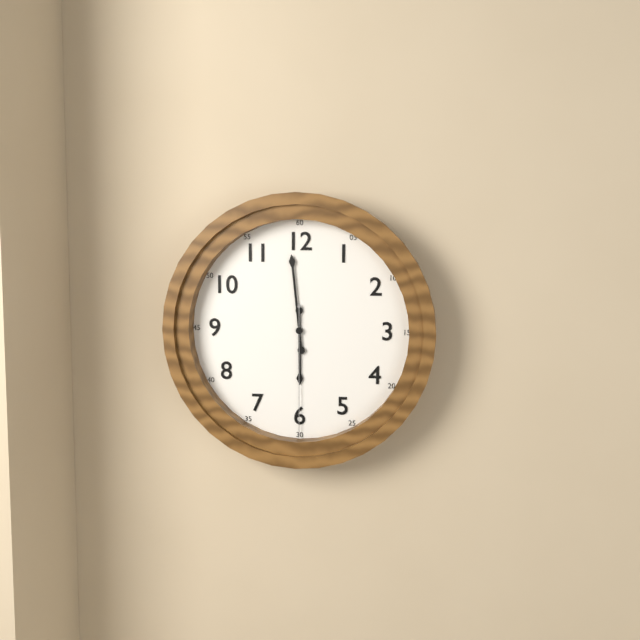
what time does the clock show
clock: 5:59:30
